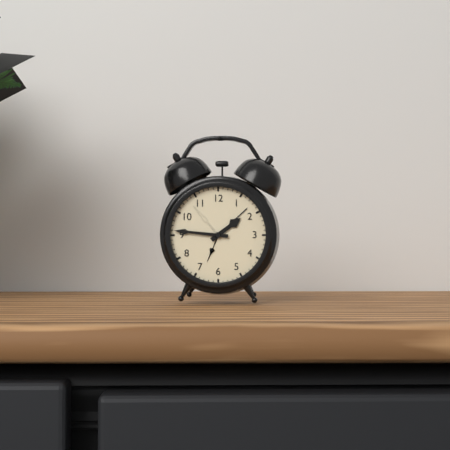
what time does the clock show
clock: 1:46
